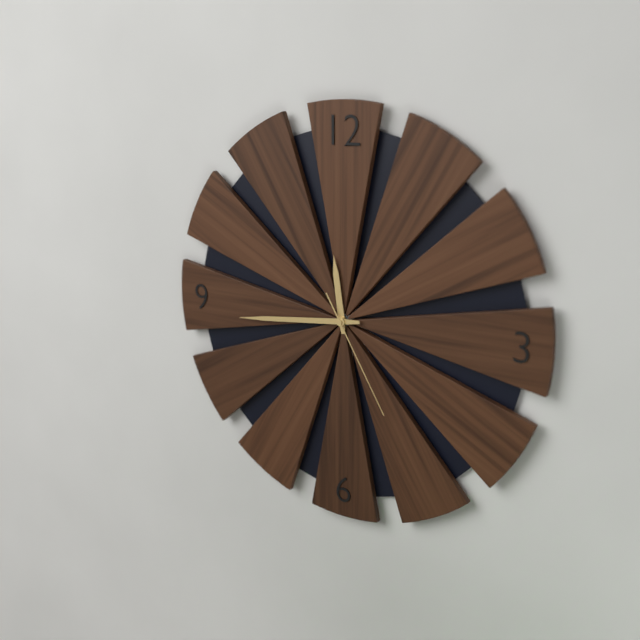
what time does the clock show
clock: 11:44:25
